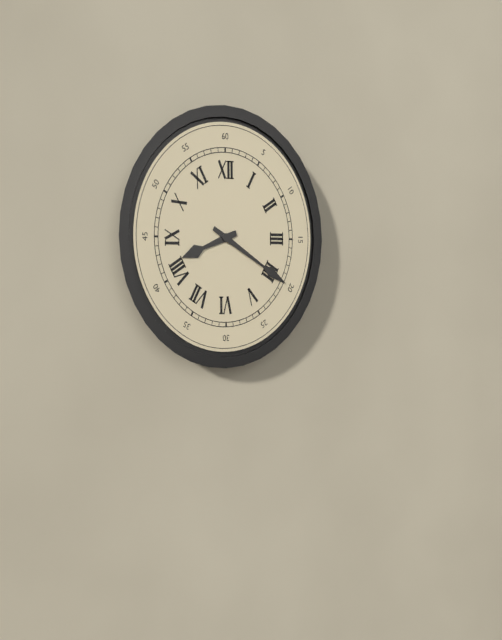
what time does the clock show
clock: 8:20
